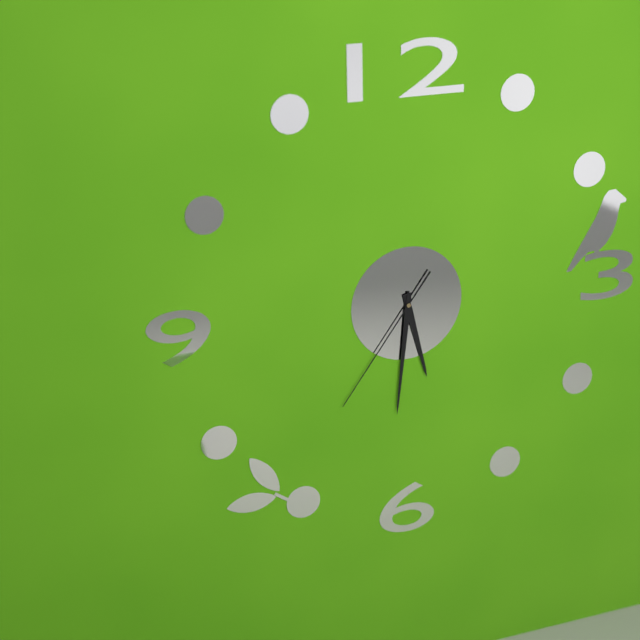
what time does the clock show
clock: 5:31:36
